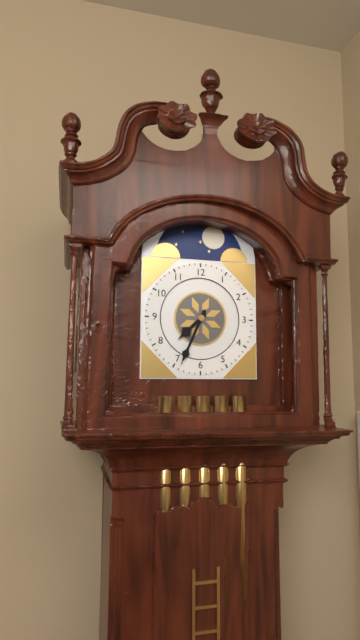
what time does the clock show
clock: 7:34
